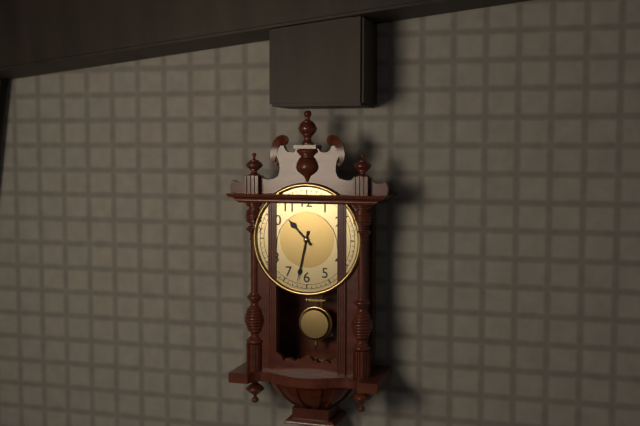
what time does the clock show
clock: 10:32
